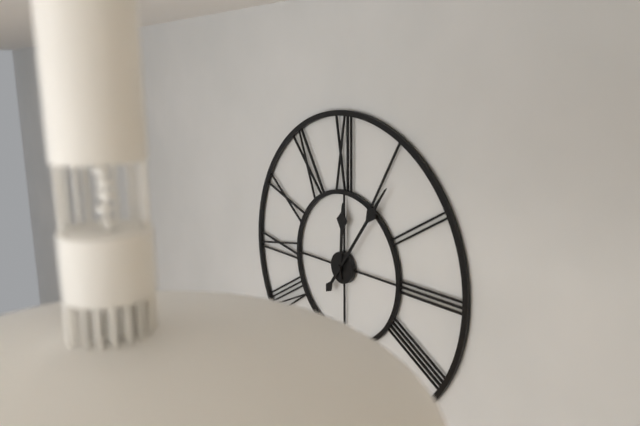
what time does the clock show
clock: 12:06
